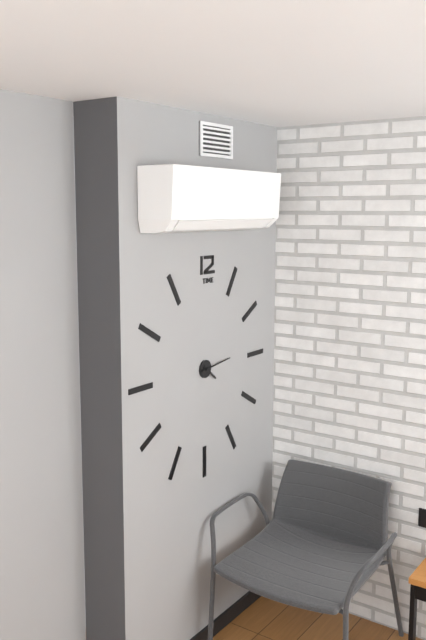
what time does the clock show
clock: 4:14
